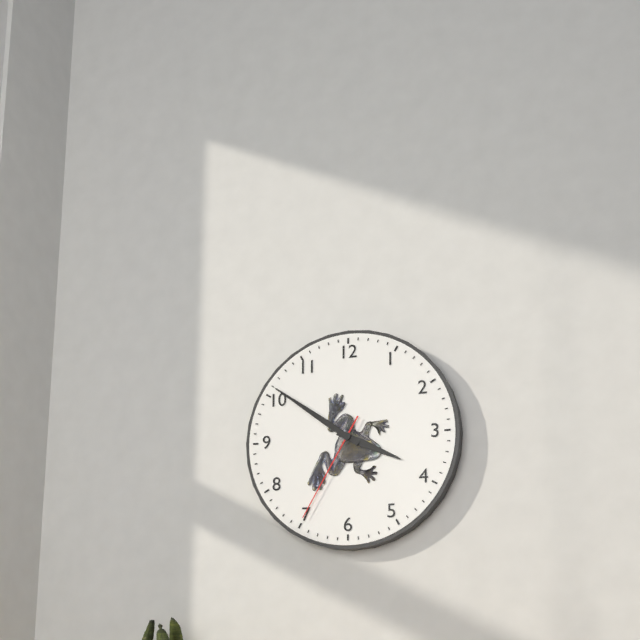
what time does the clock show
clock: 3:51:35
